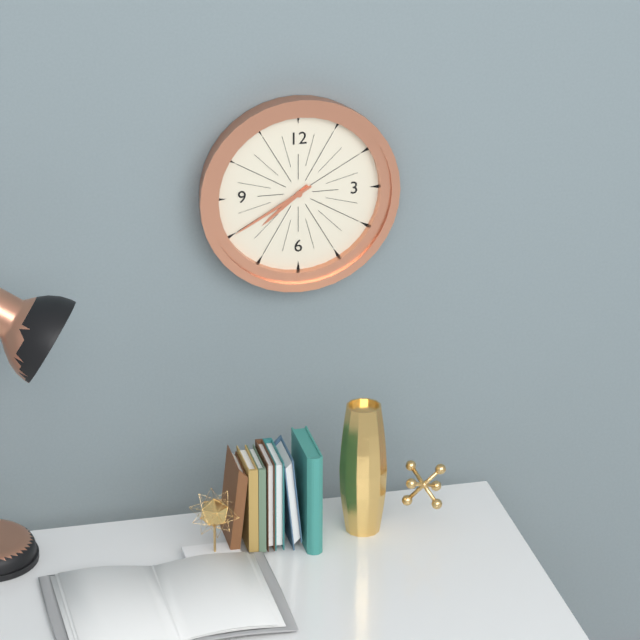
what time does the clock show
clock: 7:40
